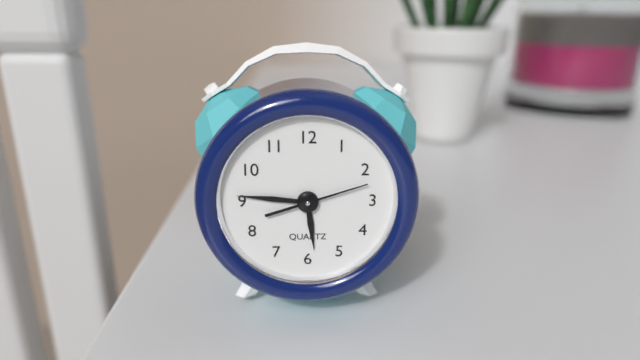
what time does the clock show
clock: 5:46:12
